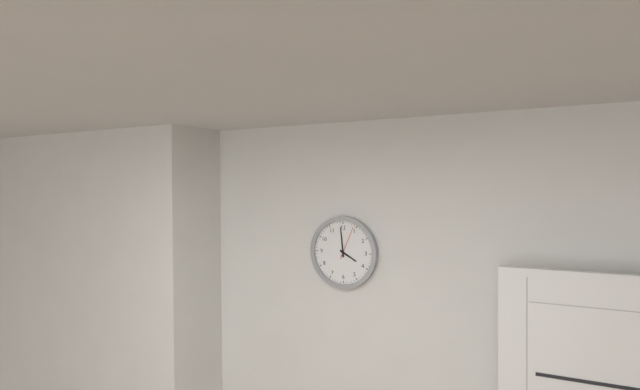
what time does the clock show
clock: 3:59
